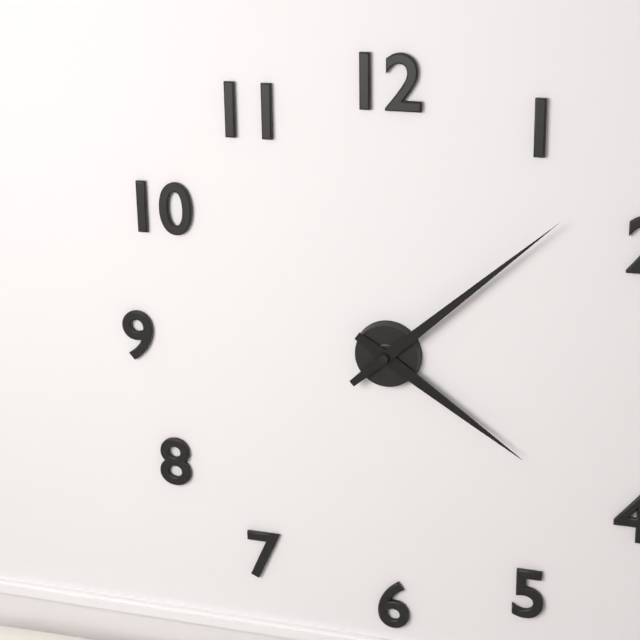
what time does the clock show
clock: 4:08
